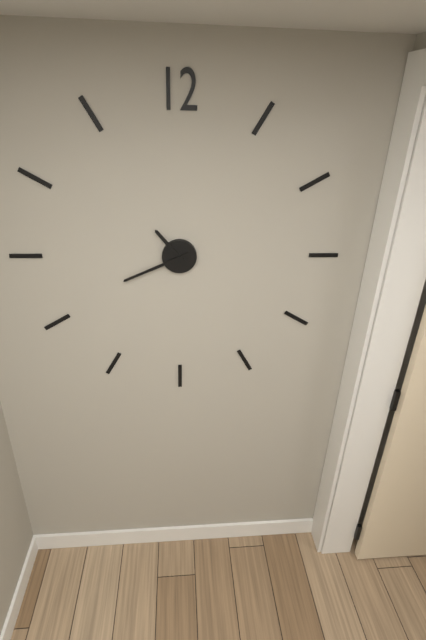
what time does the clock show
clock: 10:41
